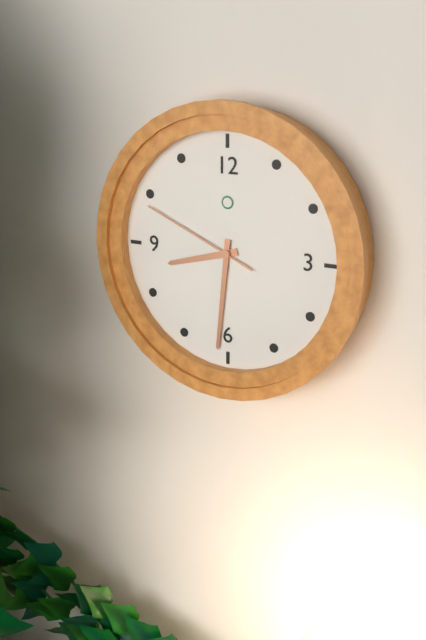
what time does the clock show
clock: 8:31:49
